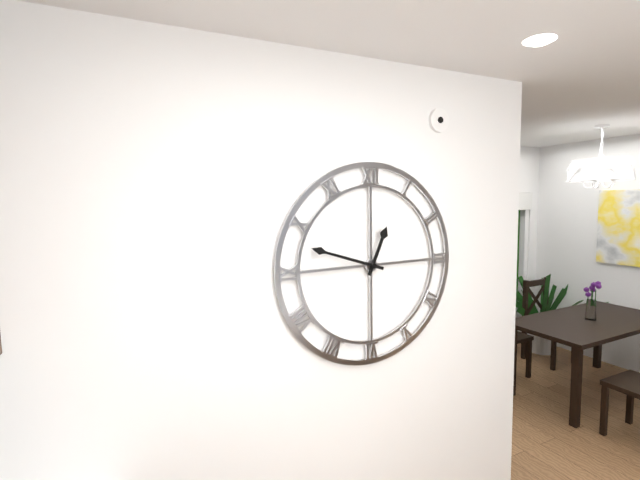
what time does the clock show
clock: 12:48
